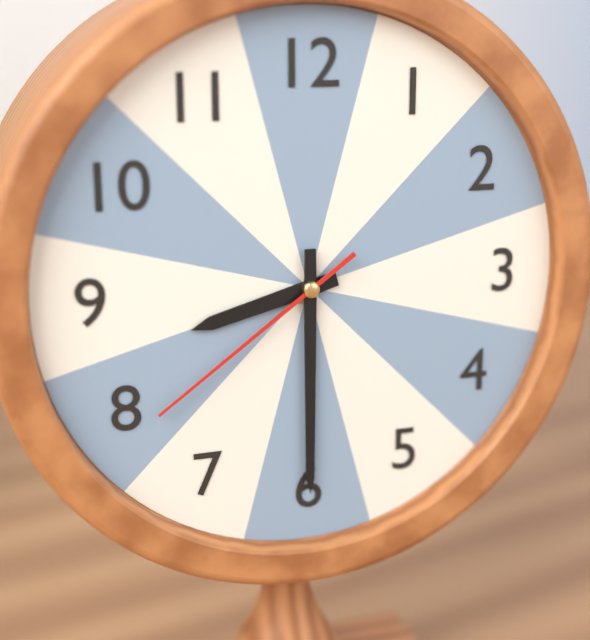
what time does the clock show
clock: 8:30:39
